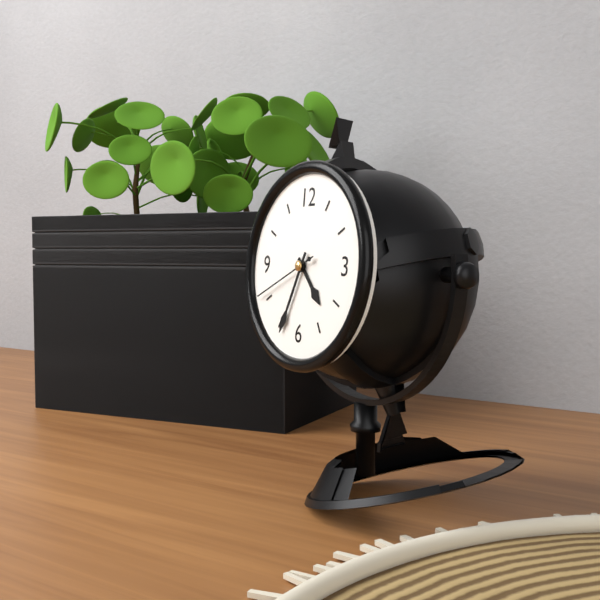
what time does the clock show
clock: 4:34:41
